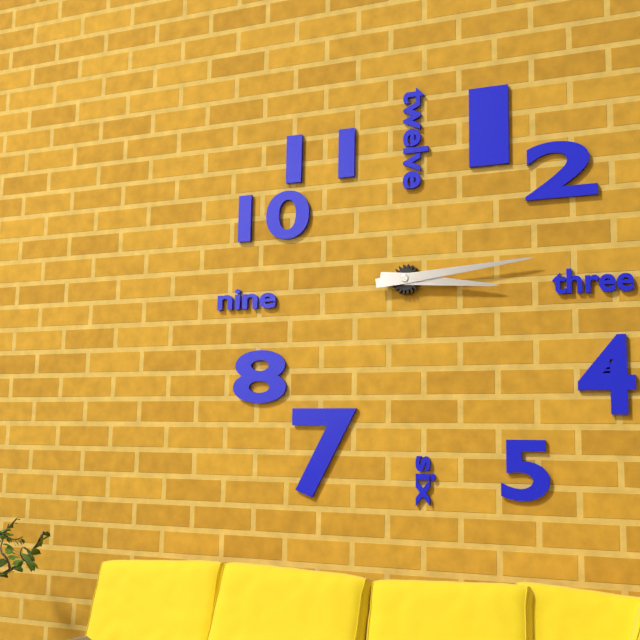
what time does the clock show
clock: 3:14
